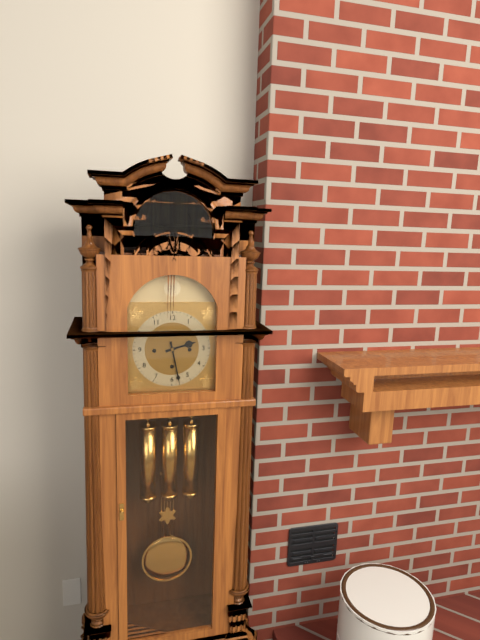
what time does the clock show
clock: 2:28
